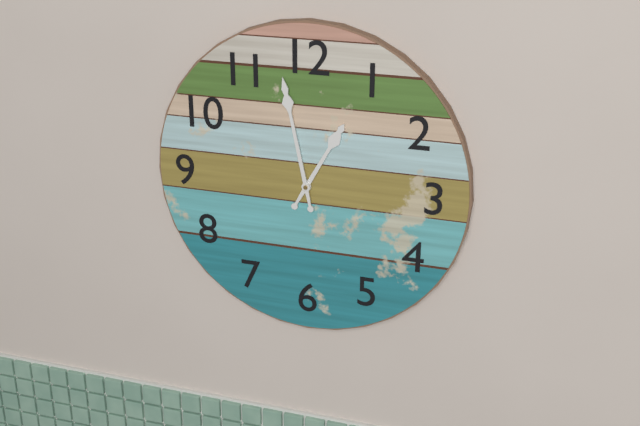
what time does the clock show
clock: 12:58
